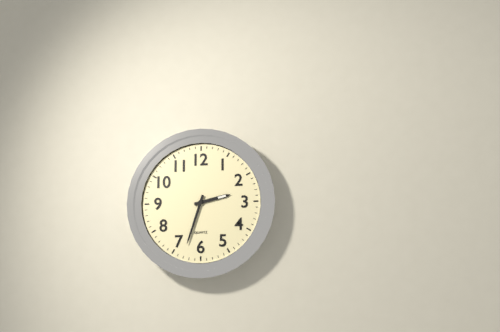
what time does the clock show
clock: 2:33
